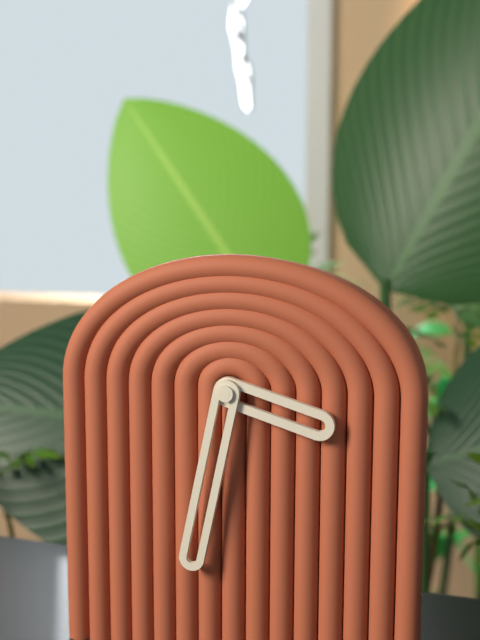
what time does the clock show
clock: 3:32
